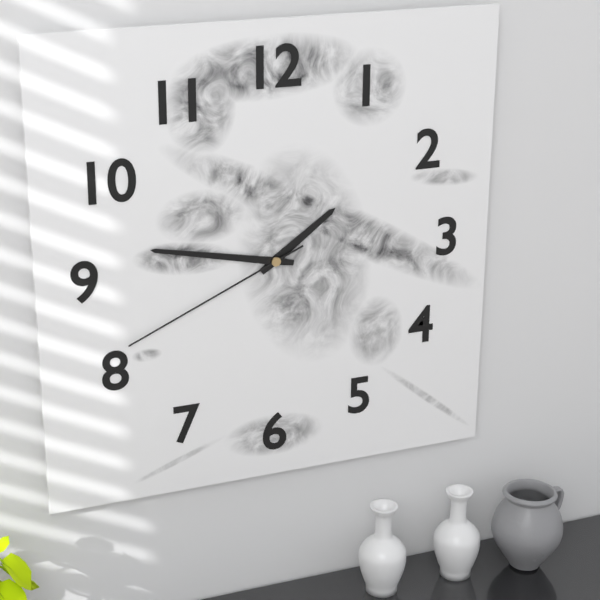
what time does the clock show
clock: 1:47:41
